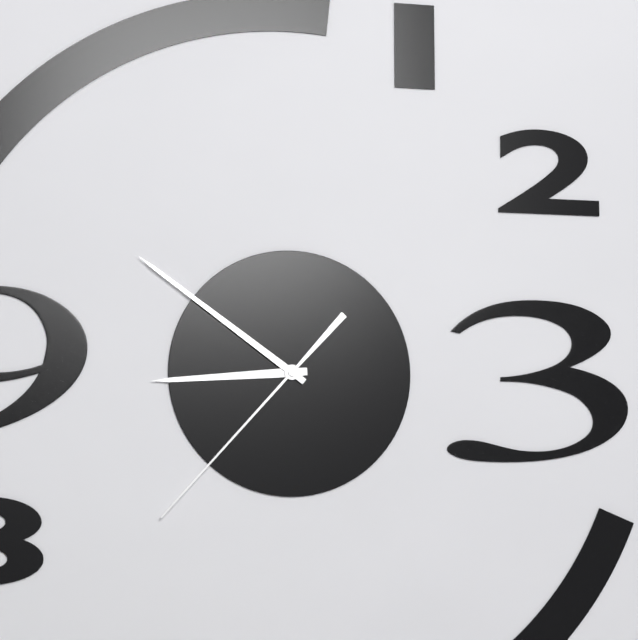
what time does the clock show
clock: 8:51:37
